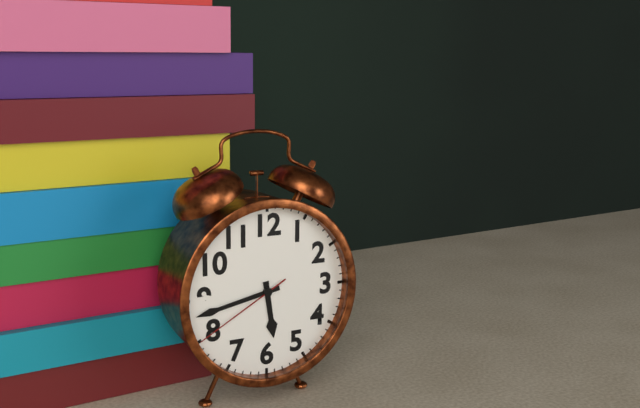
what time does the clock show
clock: 5:43:40
